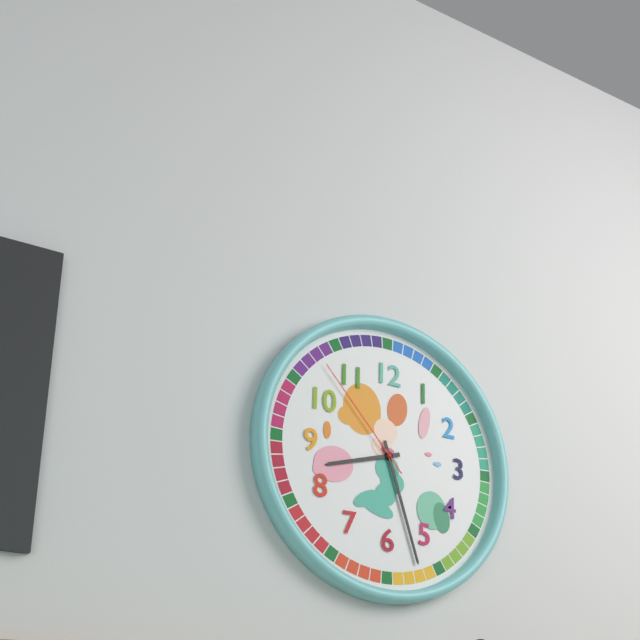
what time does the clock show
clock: 8:27:53
